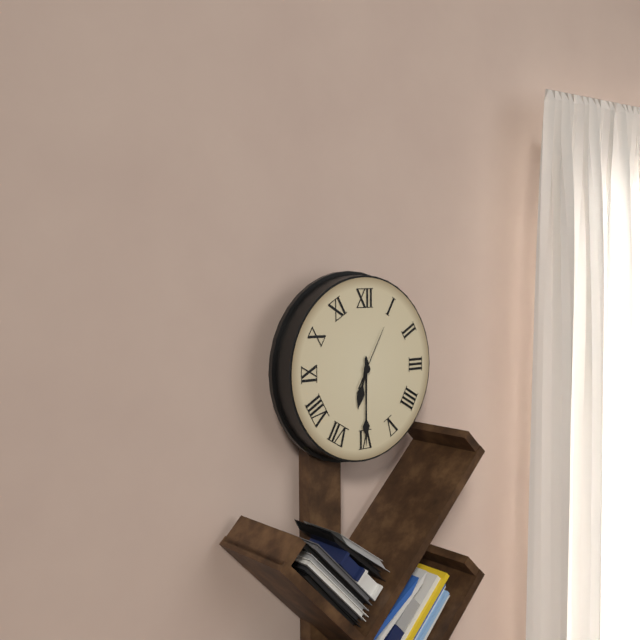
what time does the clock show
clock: 6:30:05
